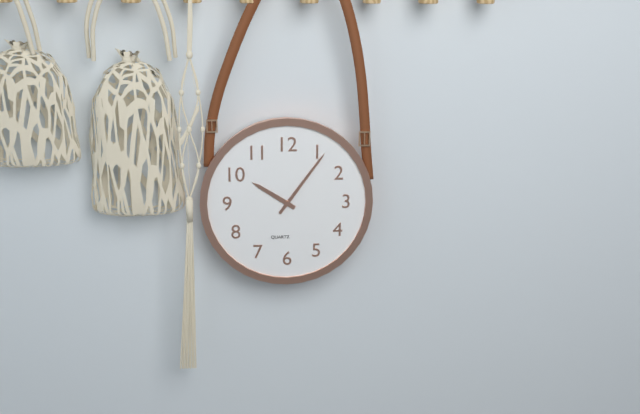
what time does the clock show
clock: 10:06
